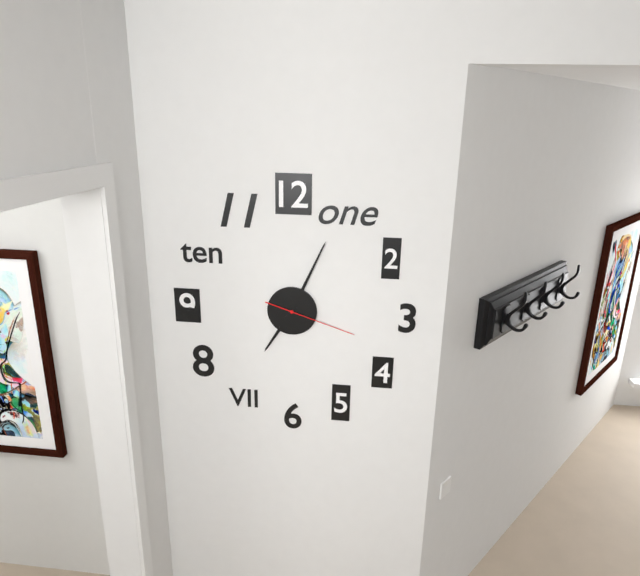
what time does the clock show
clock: 7:04:18
